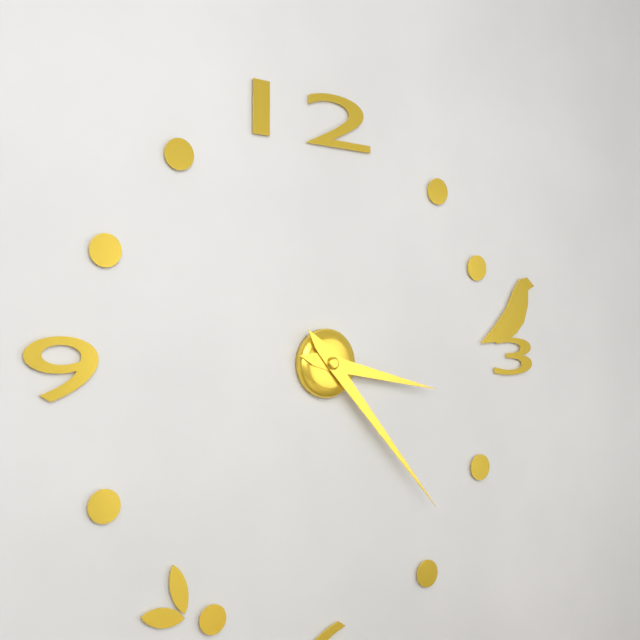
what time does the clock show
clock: 3:23
